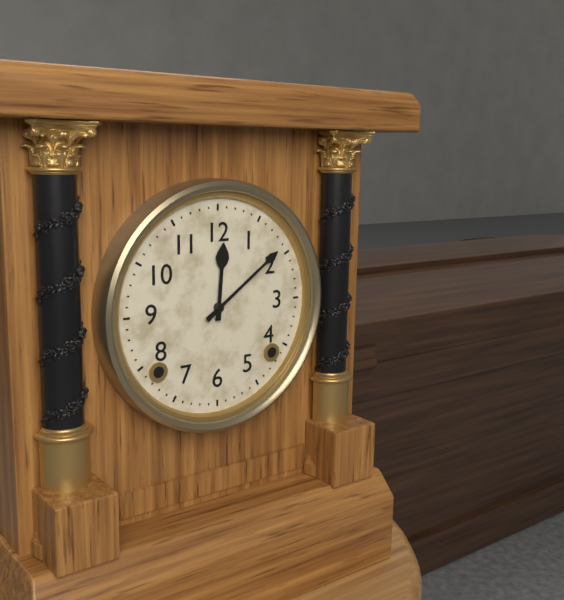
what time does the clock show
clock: 12:09
